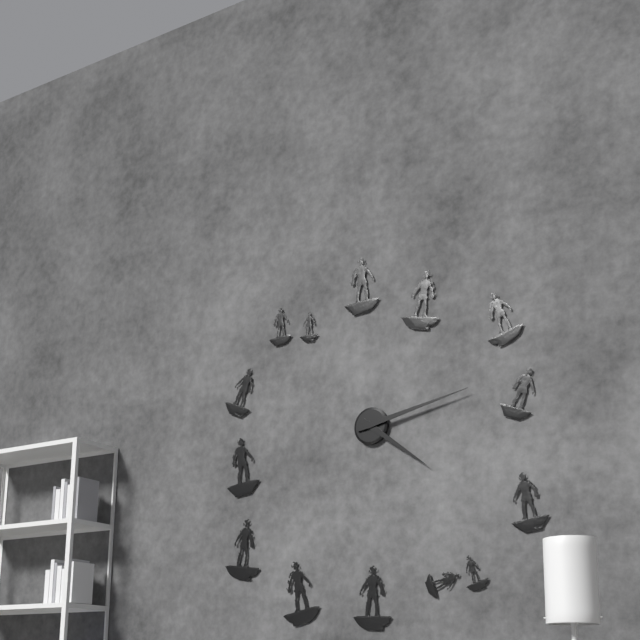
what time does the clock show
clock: 4:13
